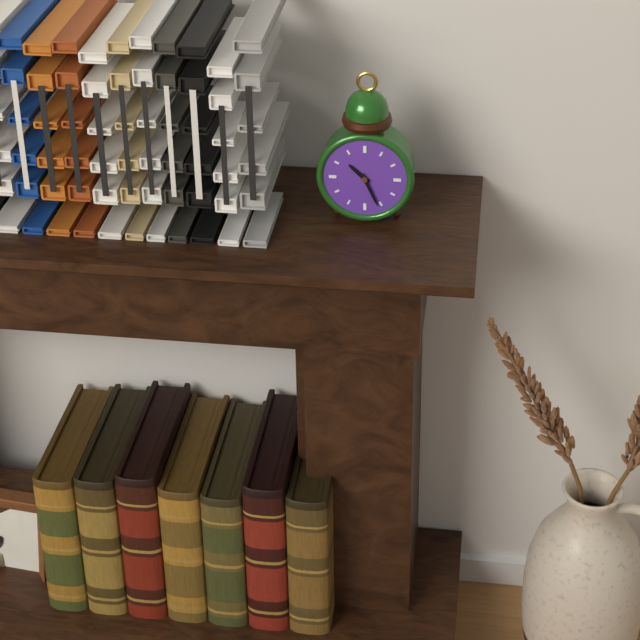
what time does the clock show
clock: 10:26
